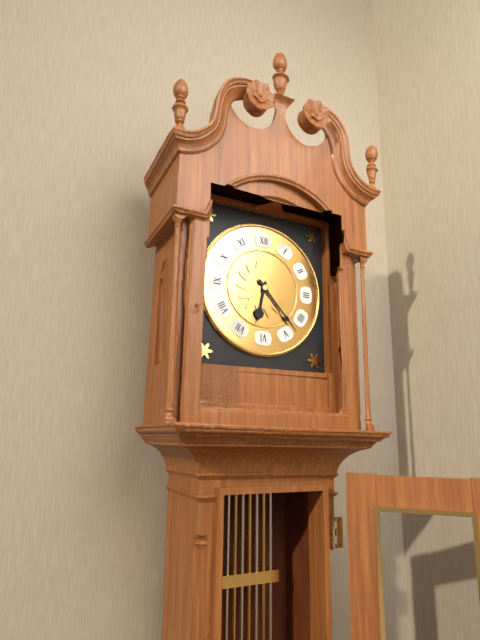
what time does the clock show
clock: 6:23
